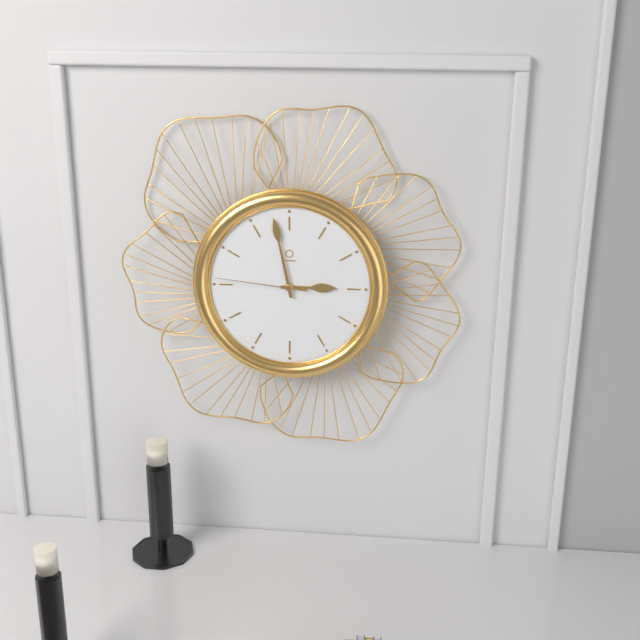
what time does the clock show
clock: 2:58:46
